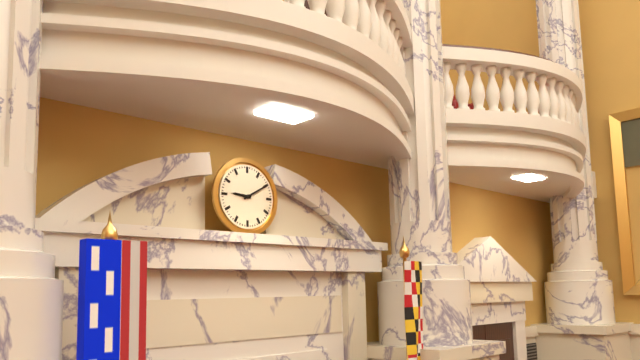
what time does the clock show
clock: 9:10
